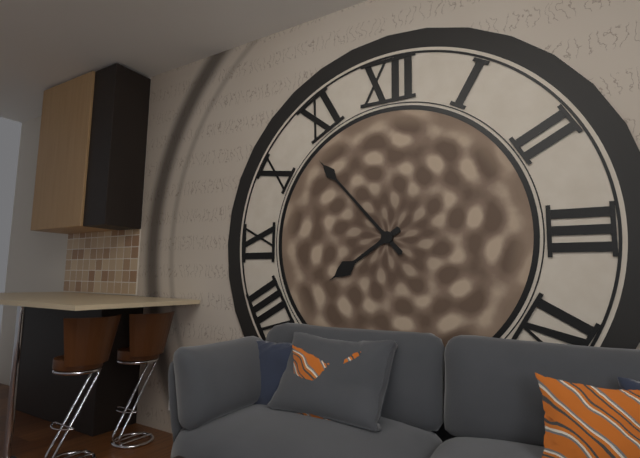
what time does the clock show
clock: 7:53
